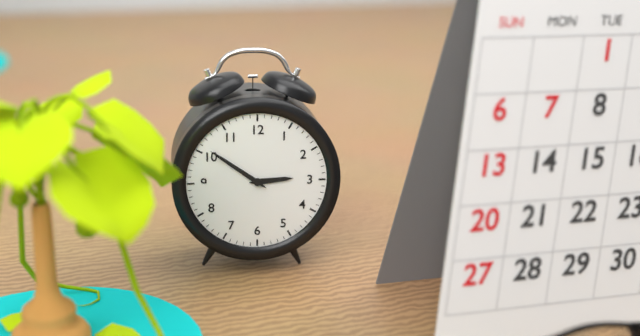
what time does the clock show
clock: 2:51
